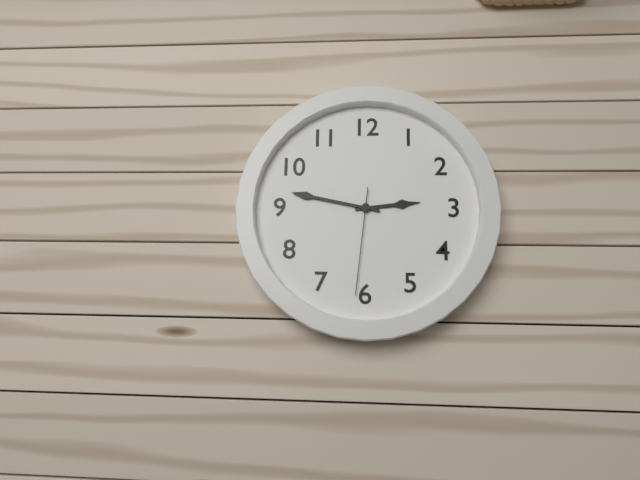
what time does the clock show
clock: 2:47:31
